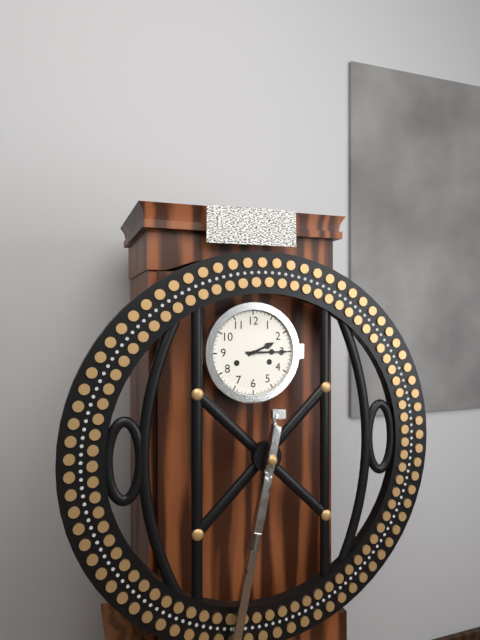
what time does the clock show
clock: 2:15
